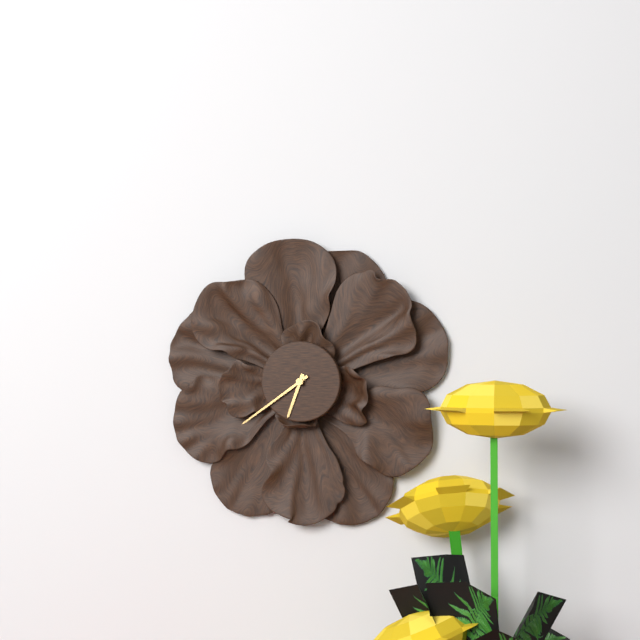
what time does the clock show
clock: 6:39
